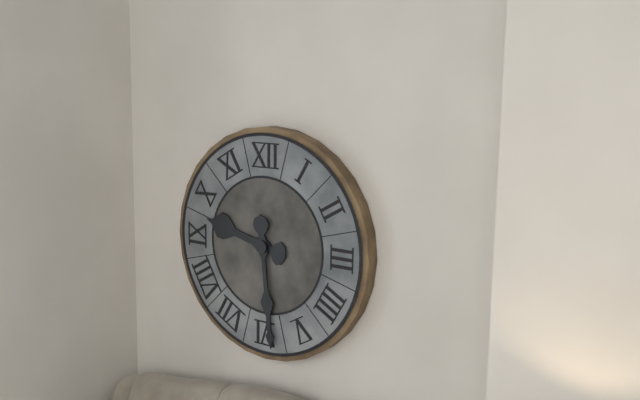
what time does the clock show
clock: 9:29
